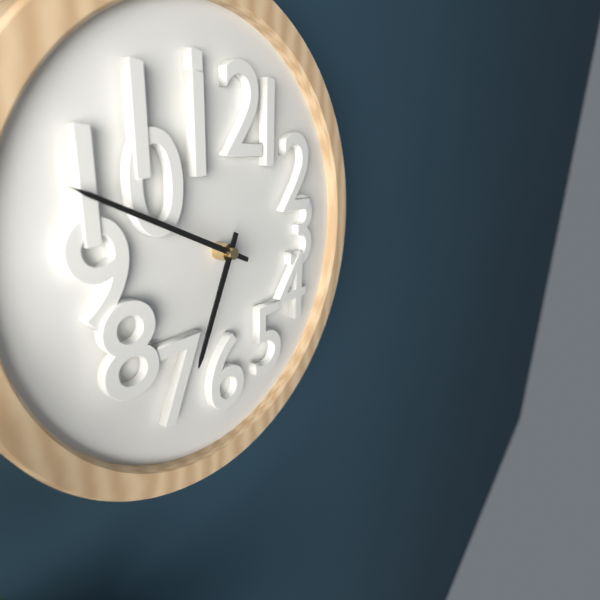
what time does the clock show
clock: 6:49
